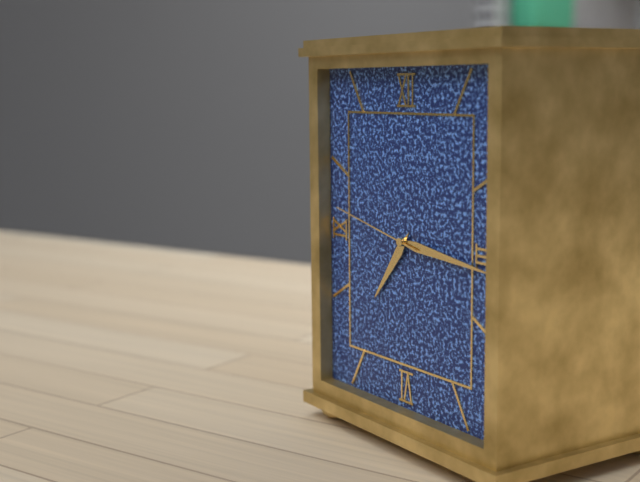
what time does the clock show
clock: 7:16:47
